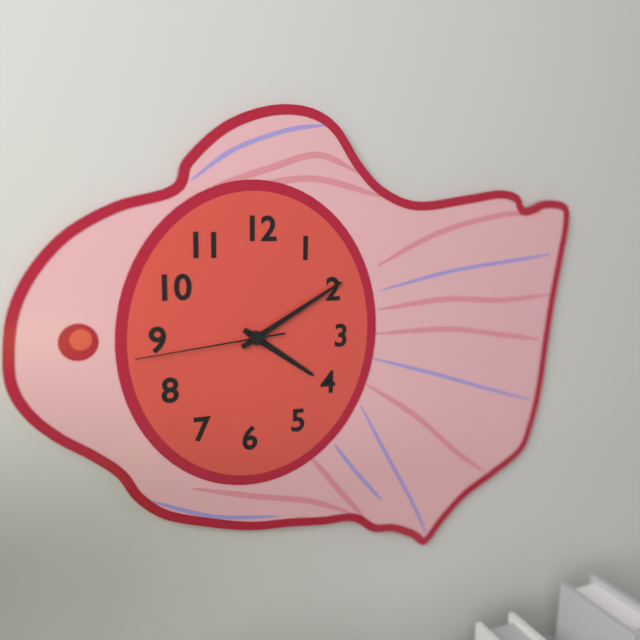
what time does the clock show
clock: 4:10:44
